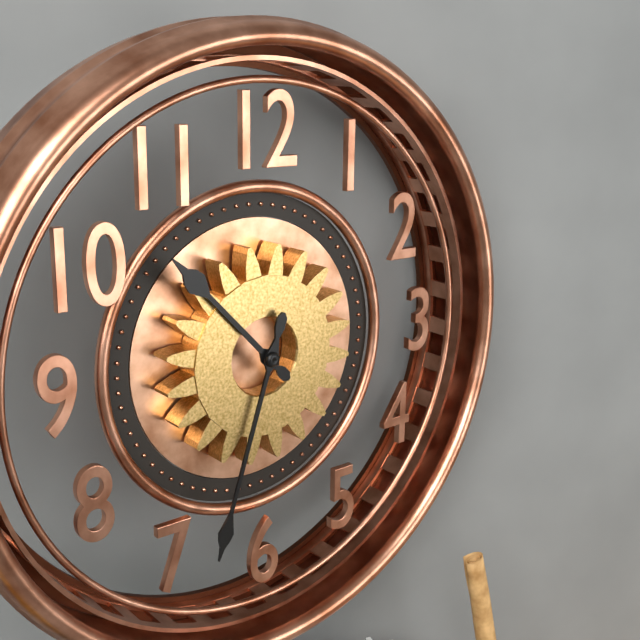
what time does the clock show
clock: 10:33
